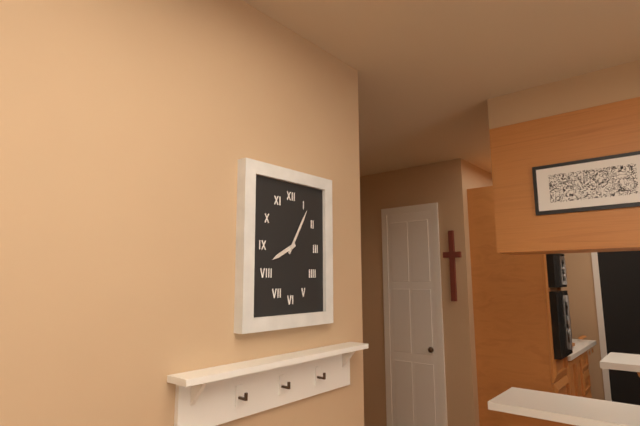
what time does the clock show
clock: 8:05
